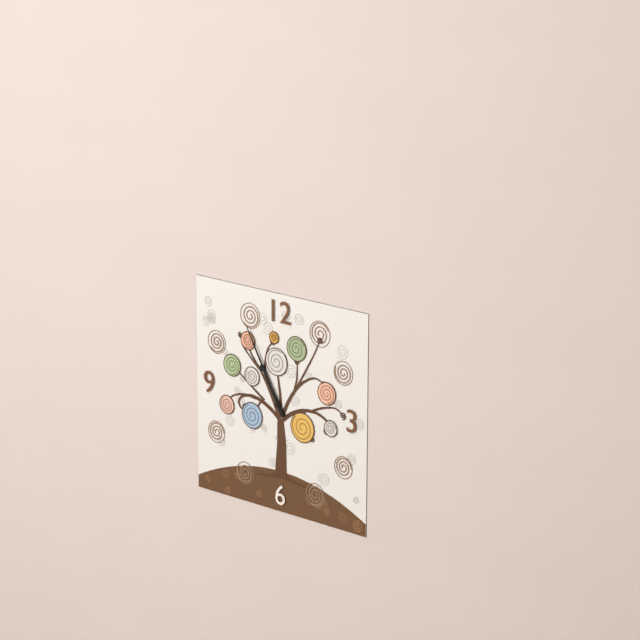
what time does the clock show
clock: 10:55
